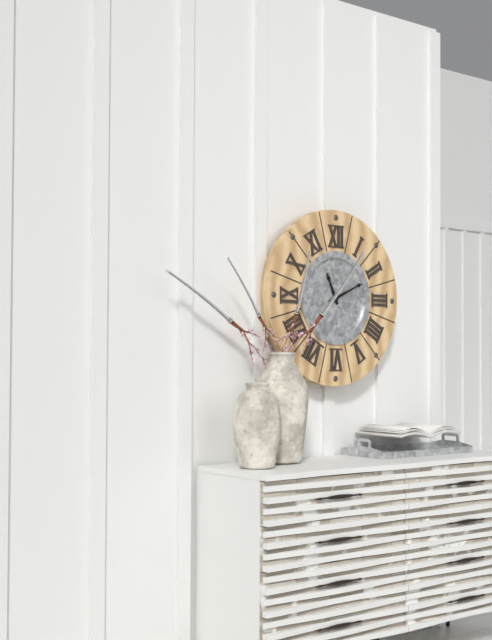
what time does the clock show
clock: 11:11
